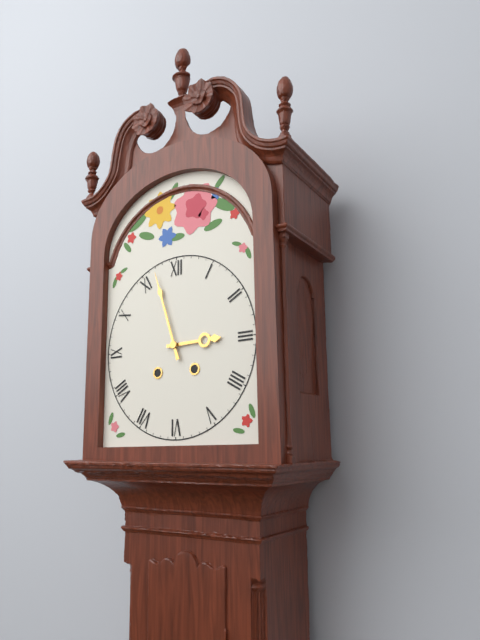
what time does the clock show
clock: 2:57
